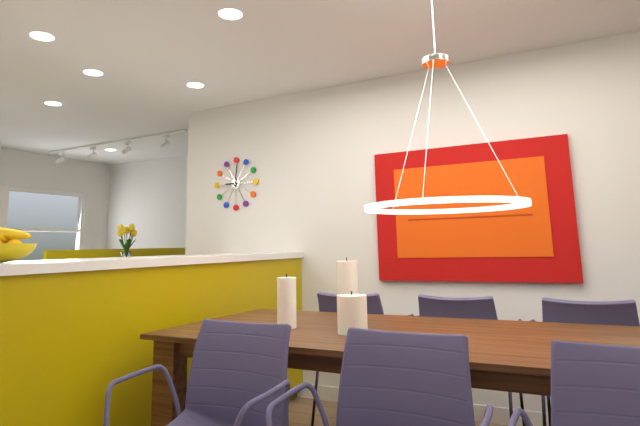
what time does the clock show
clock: 9:01
